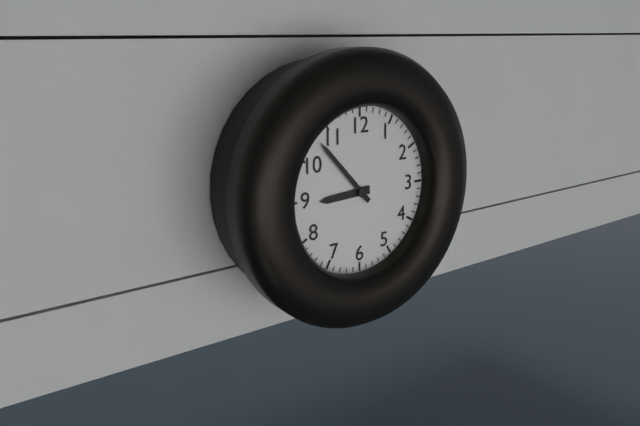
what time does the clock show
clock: 8:53
